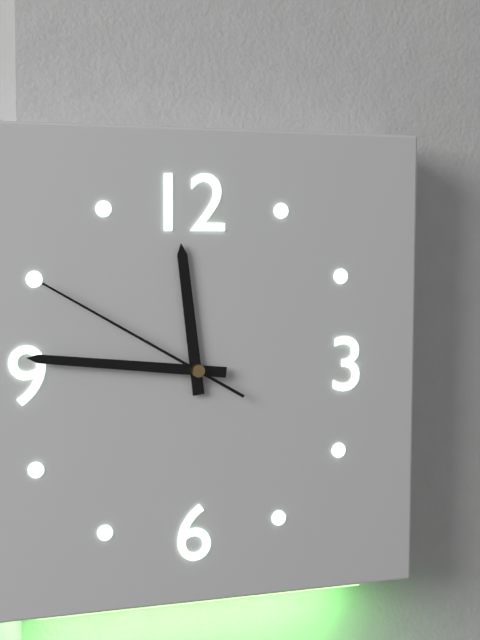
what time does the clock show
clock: 11:46:50
